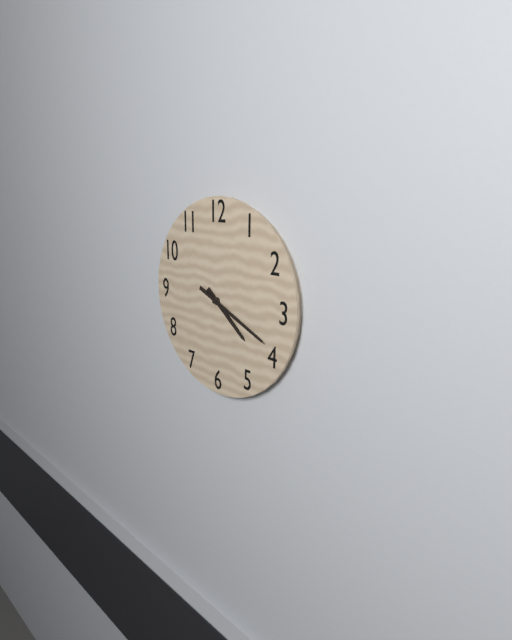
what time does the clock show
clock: 4:19
